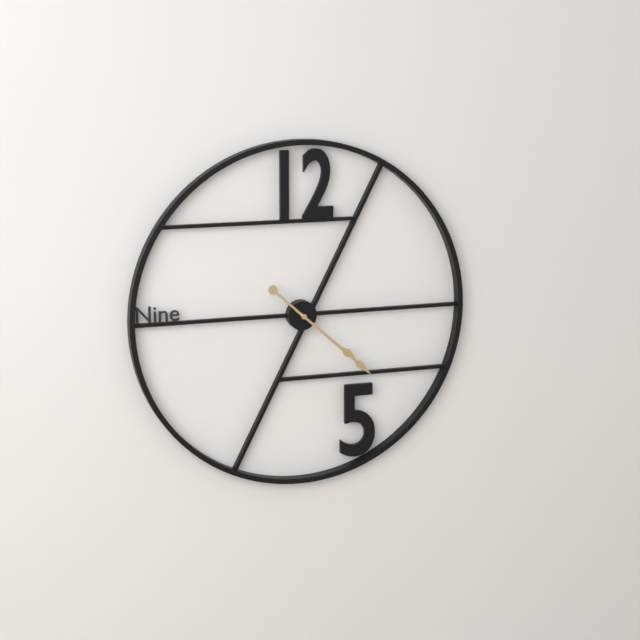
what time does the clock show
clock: 4:22
